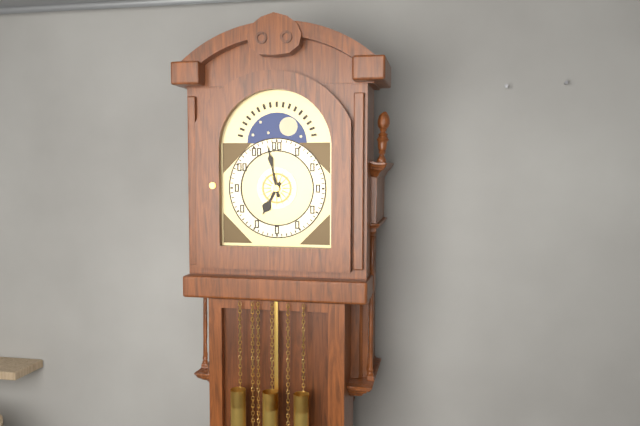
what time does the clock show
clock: 6:58
